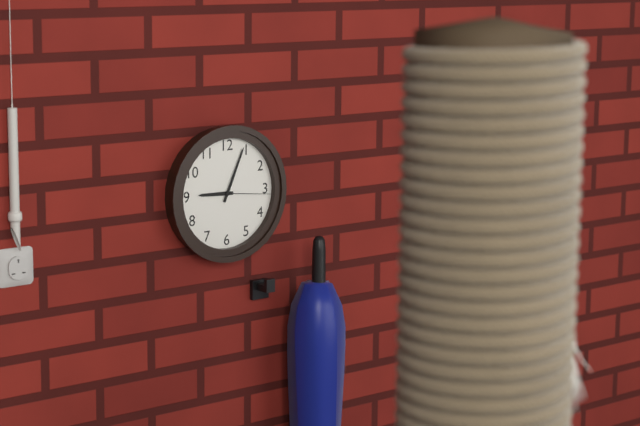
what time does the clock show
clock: 9:04:16
